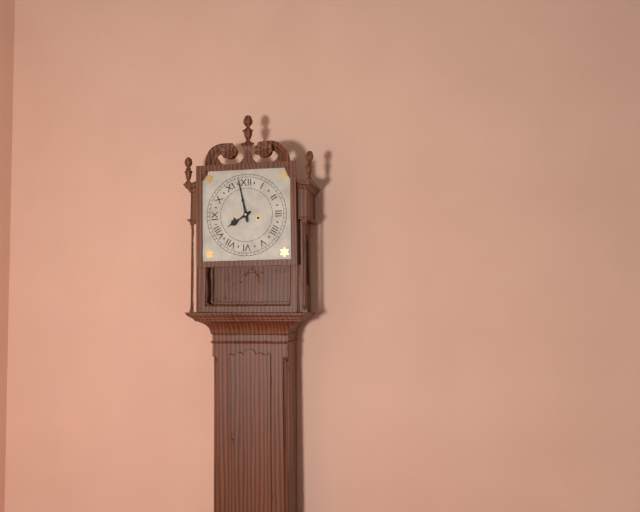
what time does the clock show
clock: 7:58
